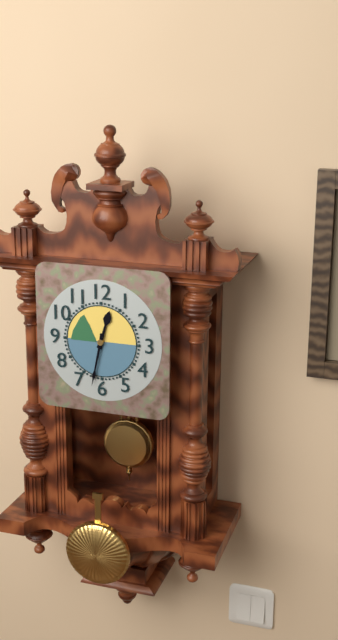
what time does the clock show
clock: 12:32
